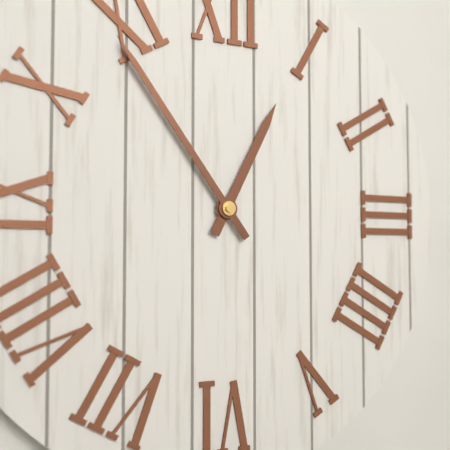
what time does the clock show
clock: 12:54
